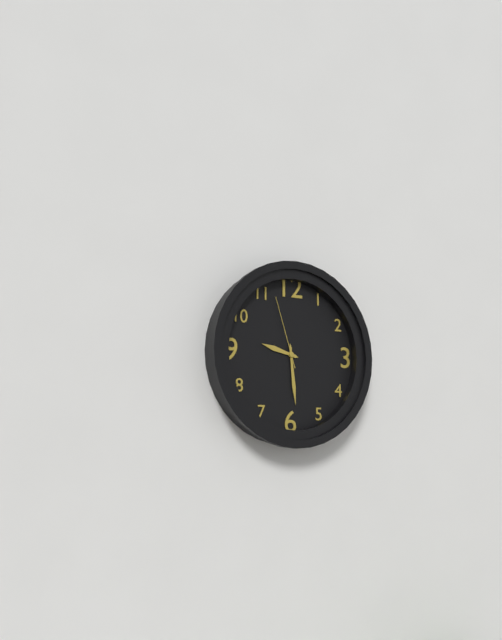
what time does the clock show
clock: 9:29:57
